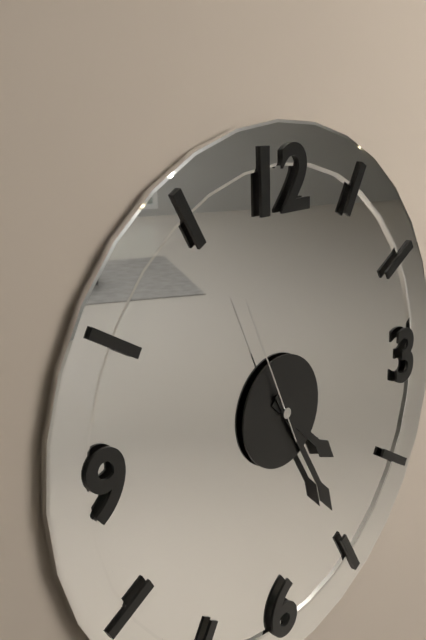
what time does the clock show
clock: 4:25:56
